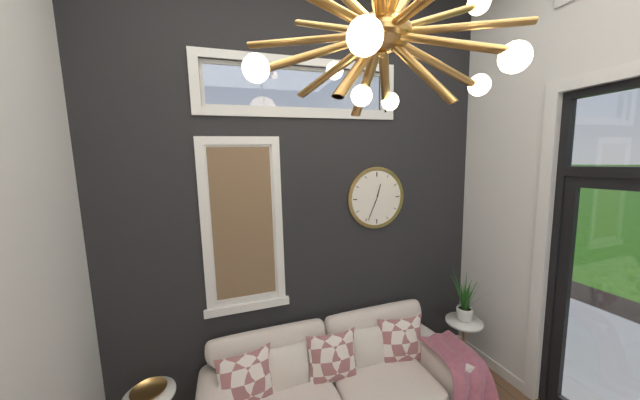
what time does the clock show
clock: 12:34
